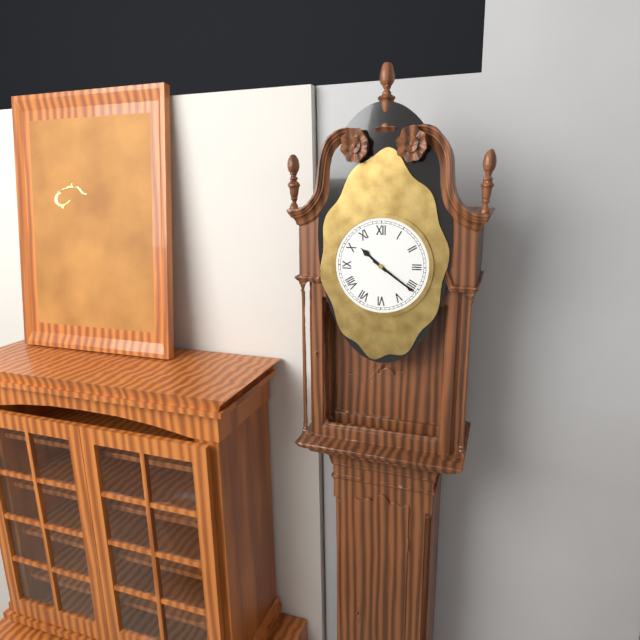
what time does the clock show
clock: 10:21
